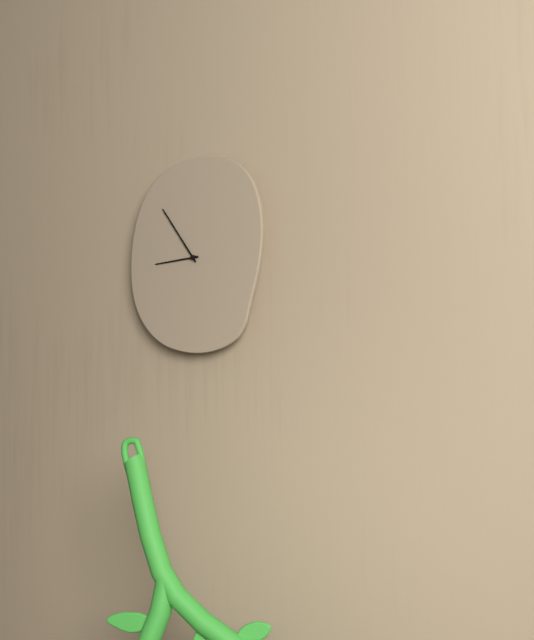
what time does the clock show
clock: 8:54
